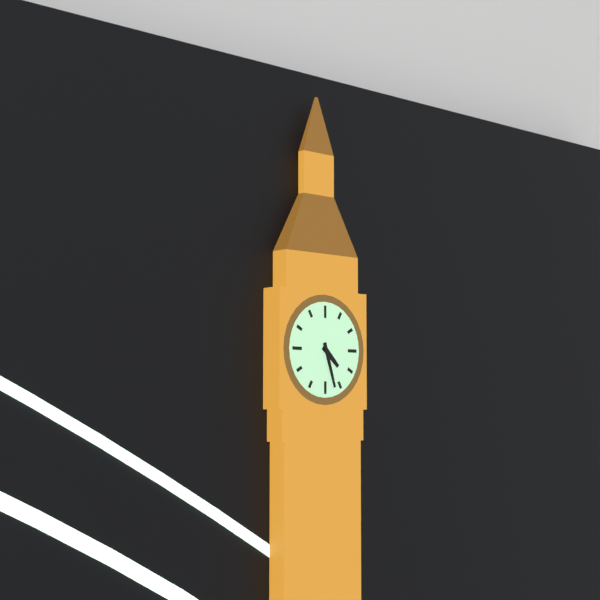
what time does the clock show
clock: 4:27
